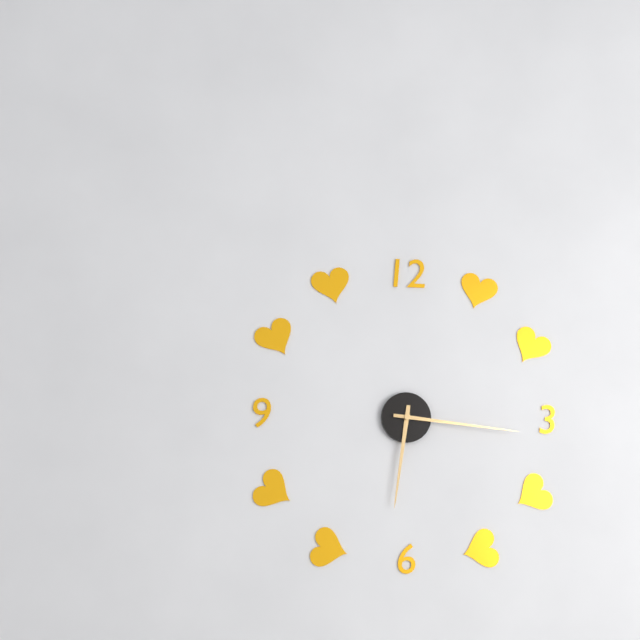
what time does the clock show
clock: 6:16
